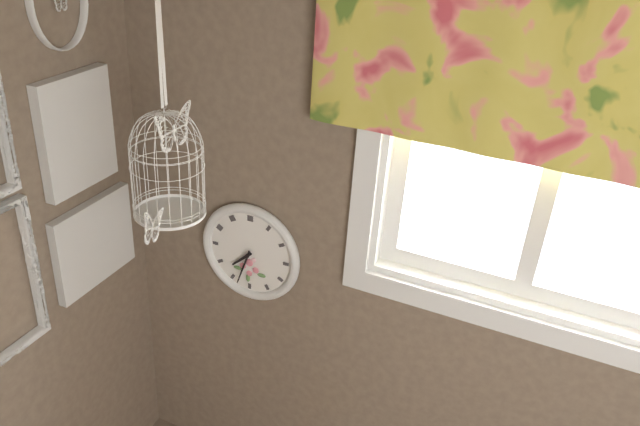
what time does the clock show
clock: 7:33
